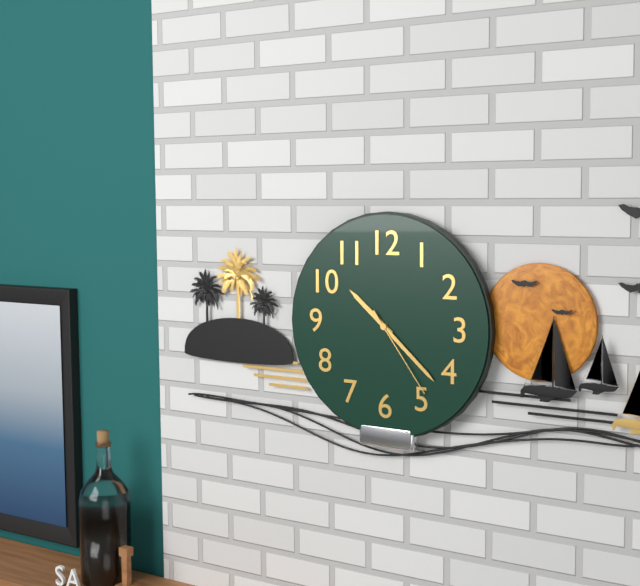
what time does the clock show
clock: 10:22:24
